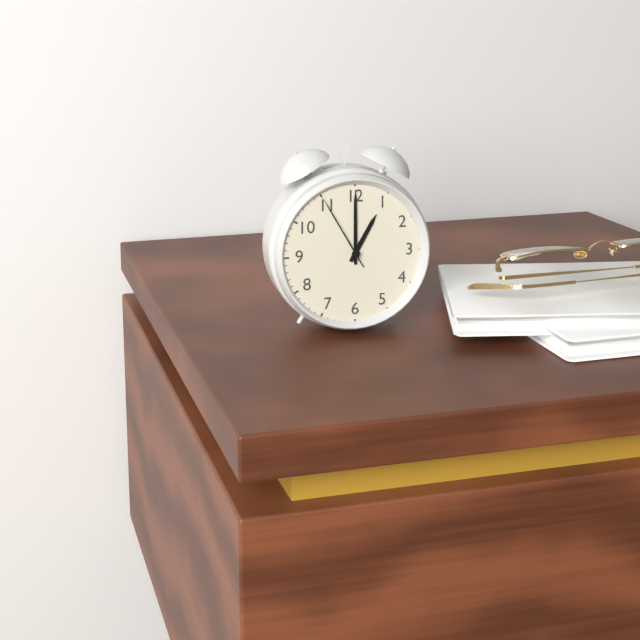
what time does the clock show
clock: 1:00:55
